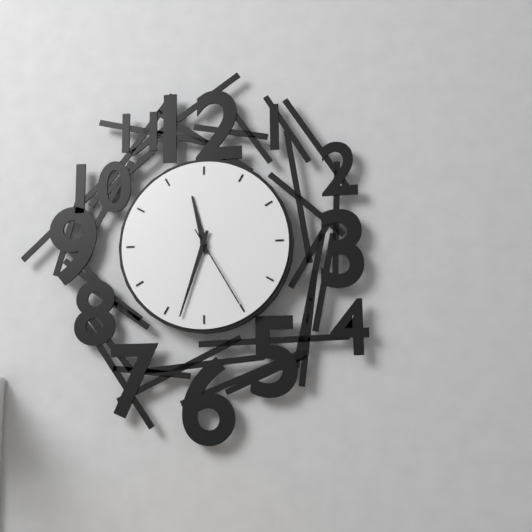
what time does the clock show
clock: 11:33:25
